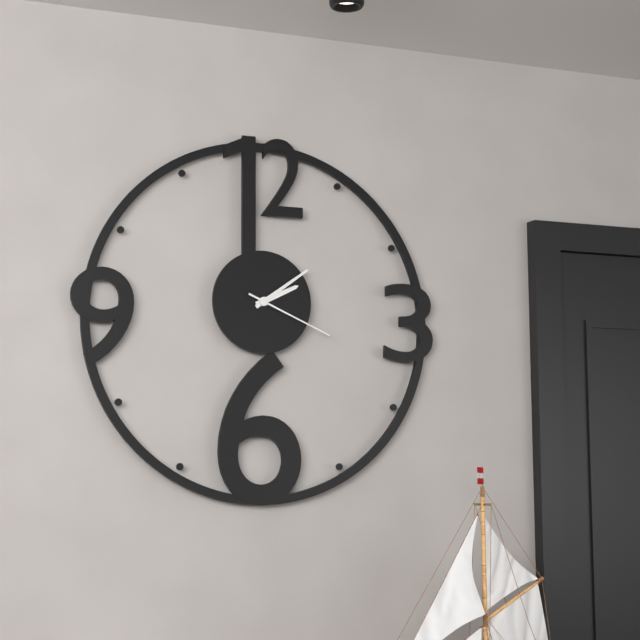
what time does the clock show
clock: 2:09:19
